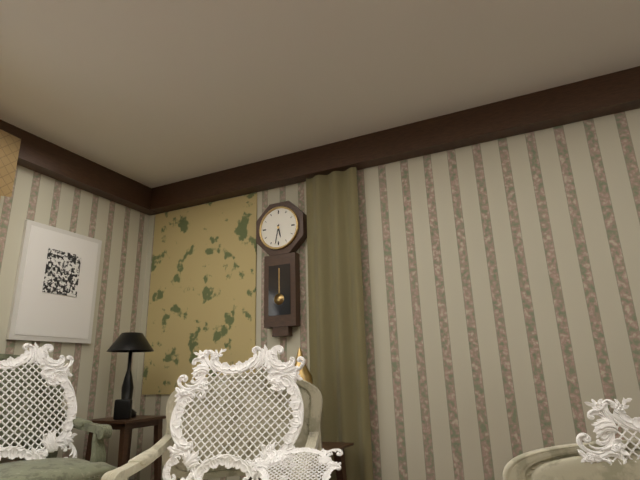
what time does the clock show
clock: 5:32
